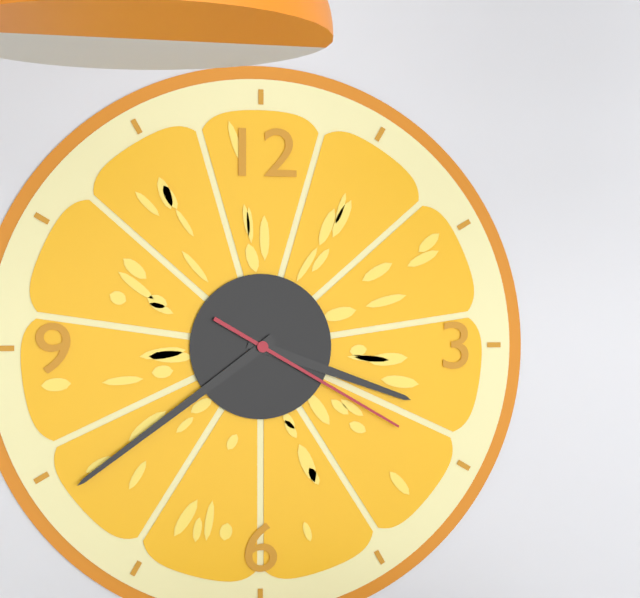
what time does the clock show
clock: 3:39:20
